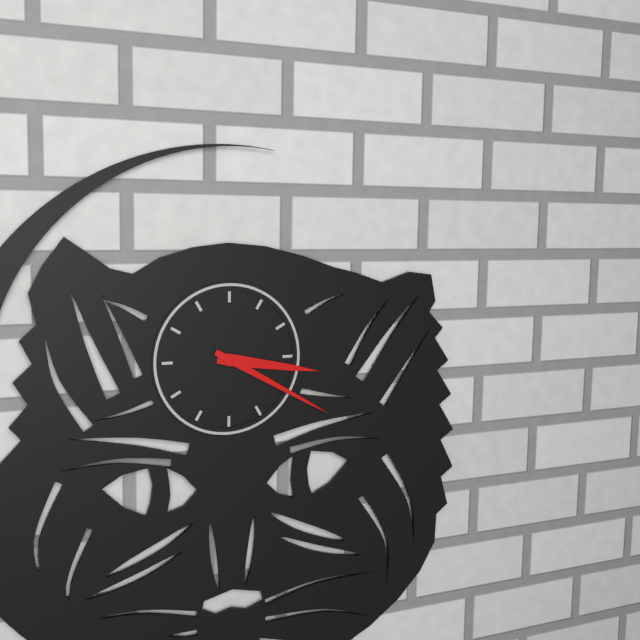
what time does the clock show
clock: 3:20
